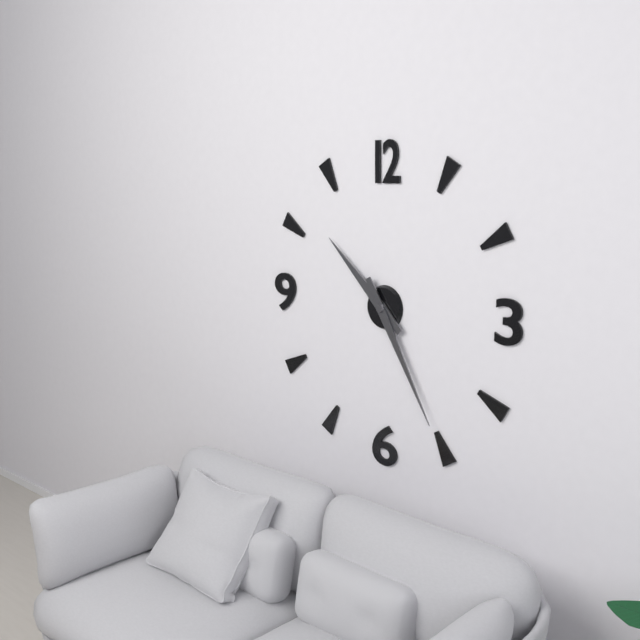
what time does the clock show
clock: 10:25
